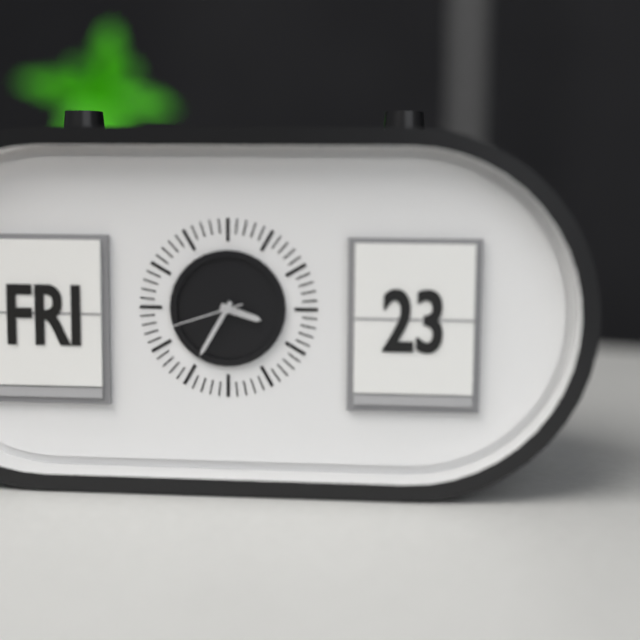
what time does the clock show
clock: 3:35:42
